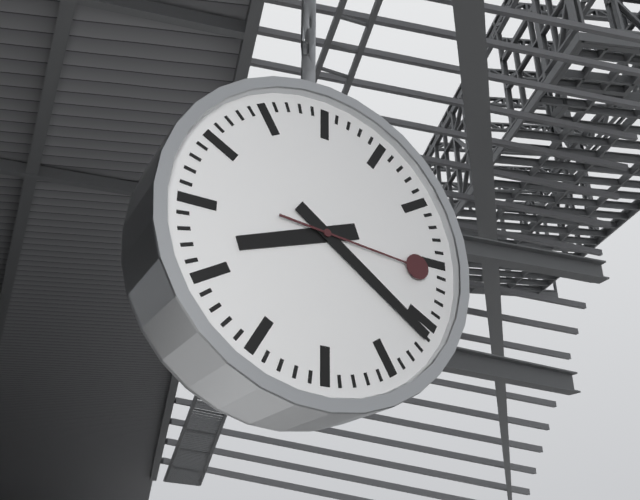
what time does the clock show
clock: 8:21:16
